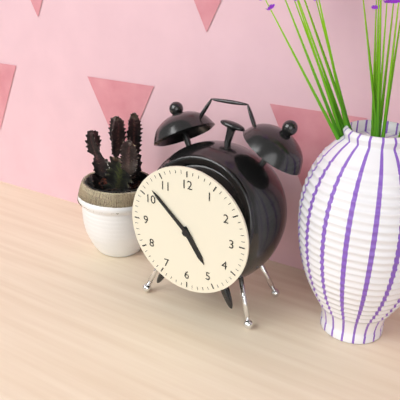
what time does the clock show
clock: 4:52
